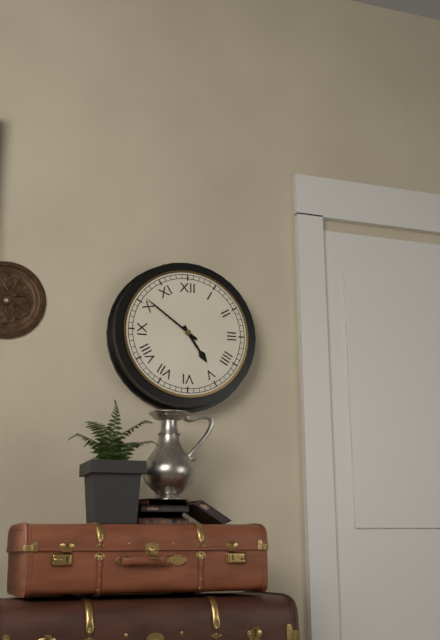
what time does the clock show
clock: 4:51
